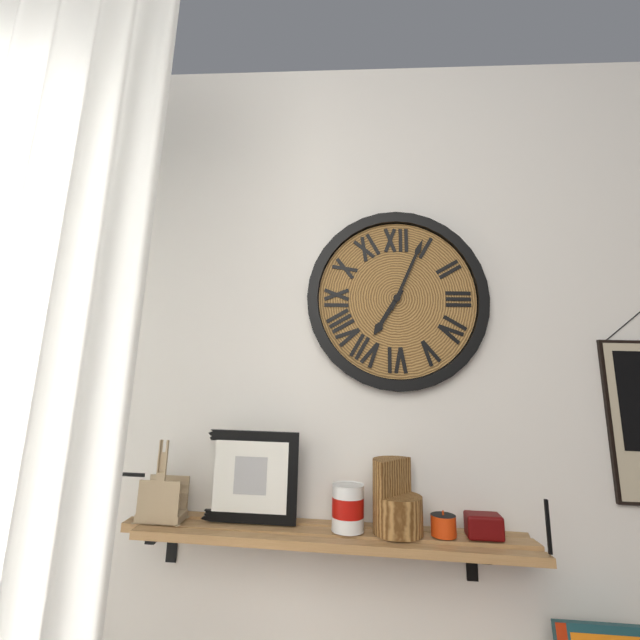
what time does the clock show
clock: 7:04
